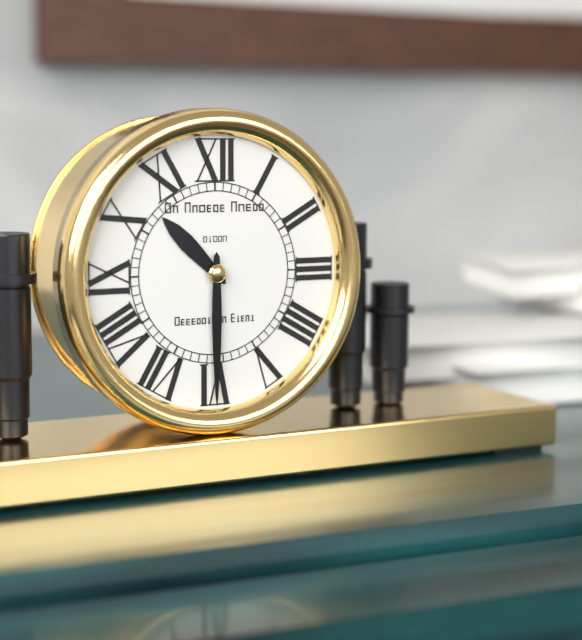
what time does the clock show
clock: 10:30
